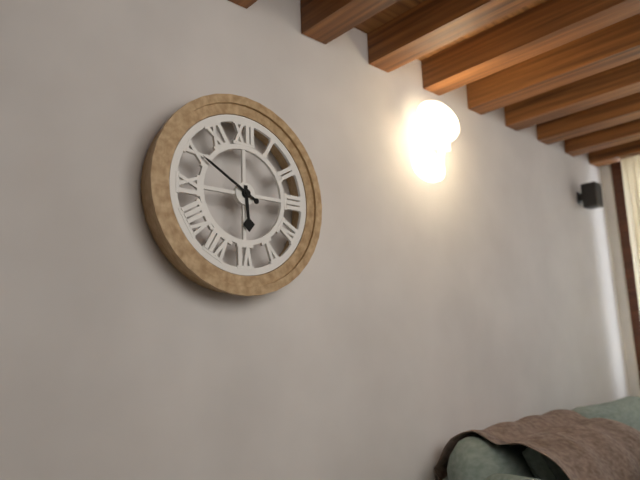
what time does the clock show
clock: 5:50
